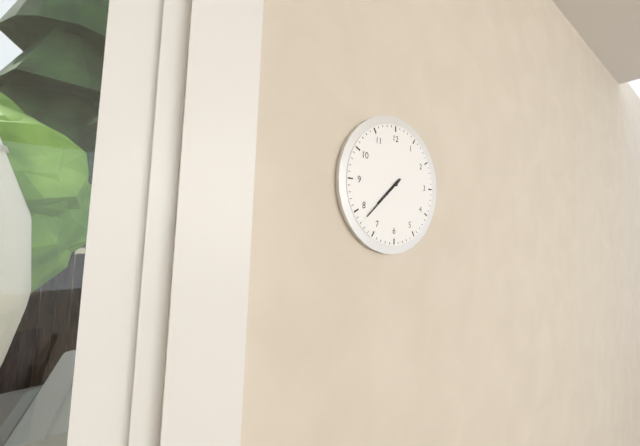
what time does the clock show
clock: 7:38
